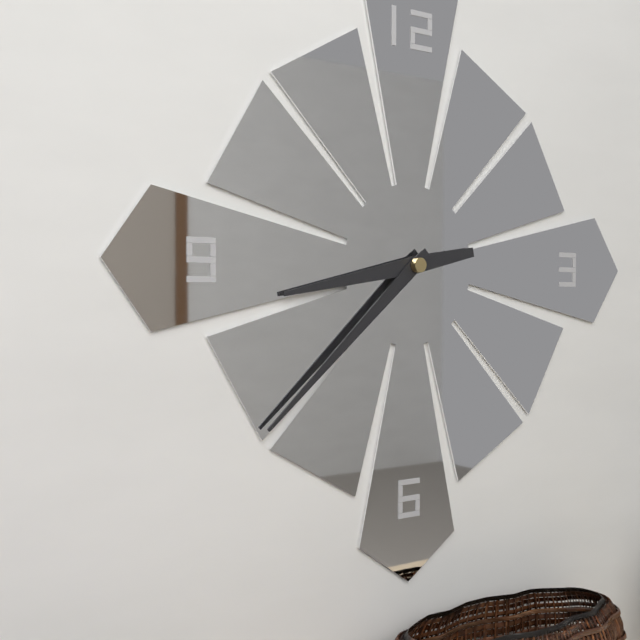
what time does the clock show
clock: 8:38
